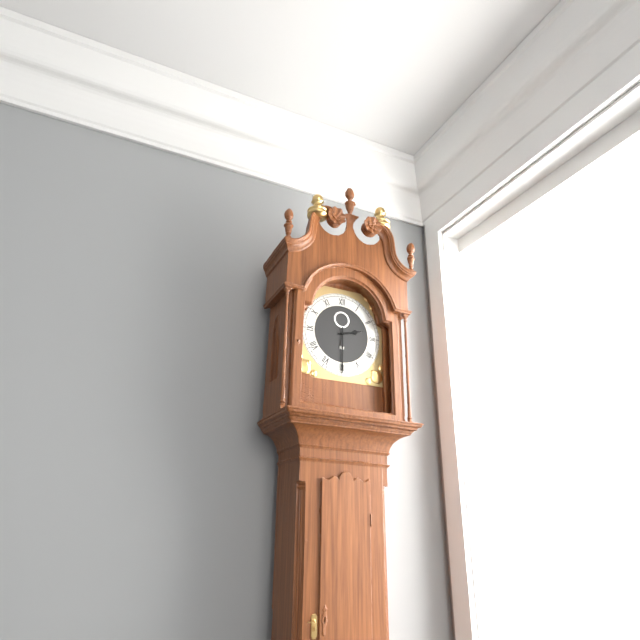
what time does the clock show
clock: 2:30
